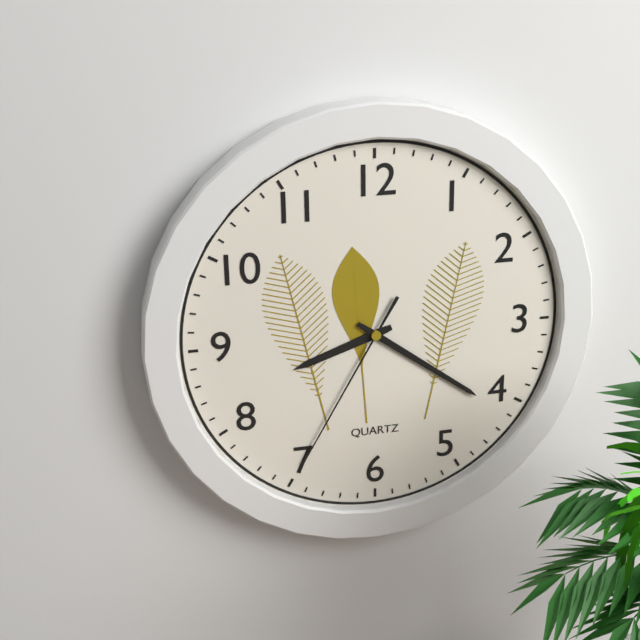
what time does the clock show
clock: 8:21:35
